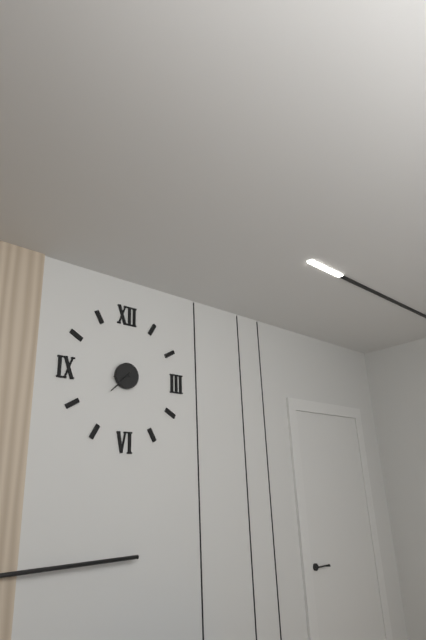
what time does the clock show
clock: 8:38
